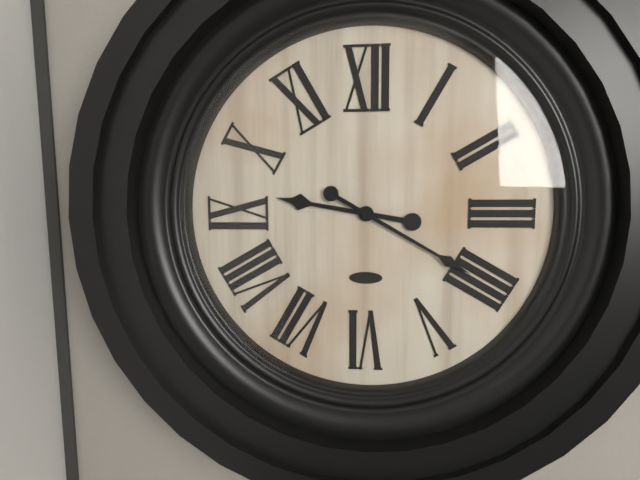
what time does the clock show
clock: 9:20
